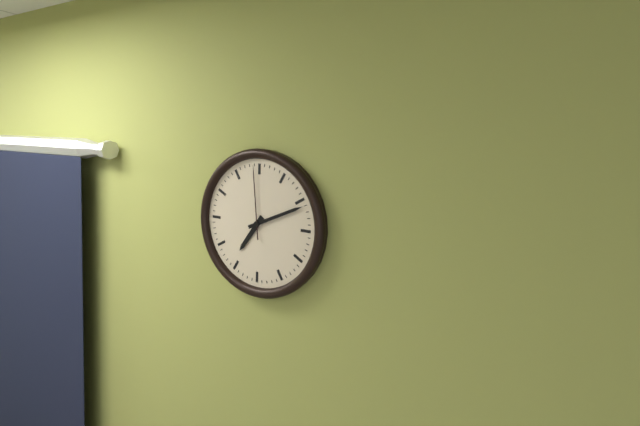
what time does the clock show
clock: 7:11:59
